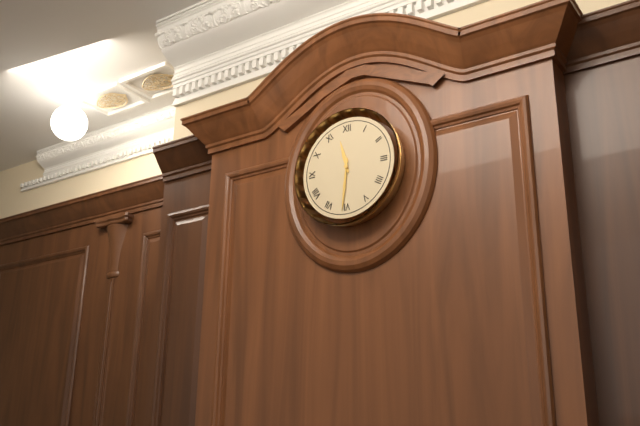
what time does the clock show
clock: 11:31
